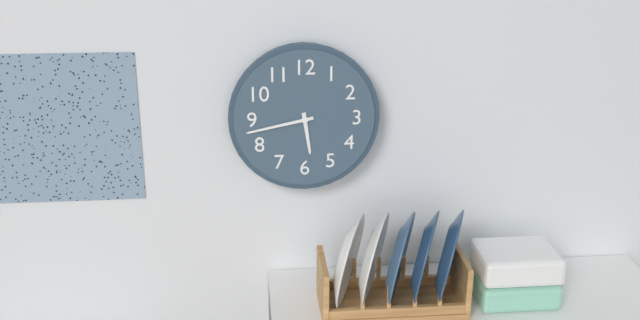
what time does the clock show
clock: 5:43
